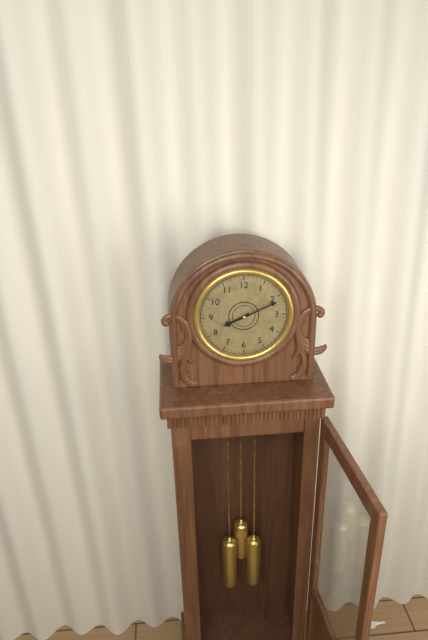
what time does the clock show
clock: 8:11
